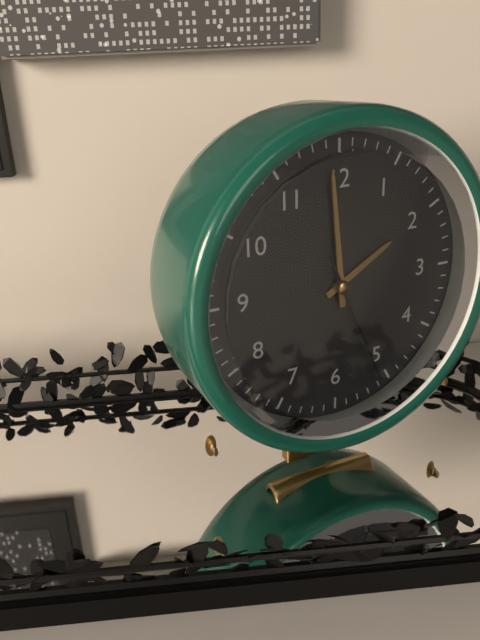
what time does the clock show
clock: 1:59:26
